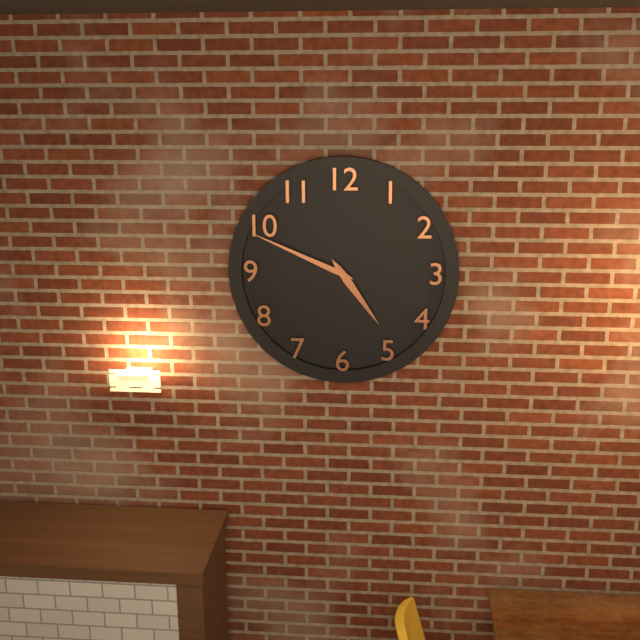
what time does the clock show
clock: 4:49
